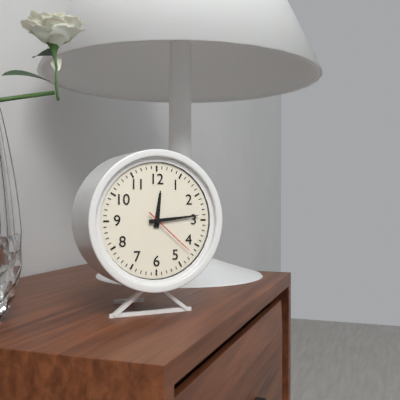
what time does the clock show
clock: 12:14:22
